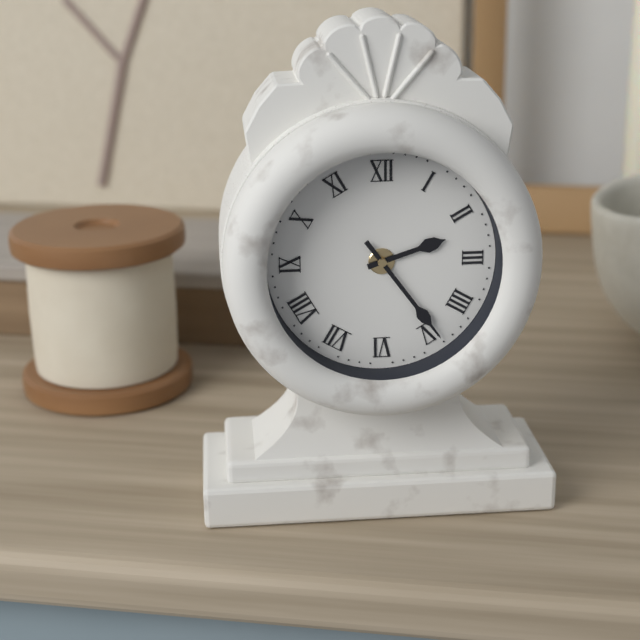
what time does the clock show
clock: 2:24
